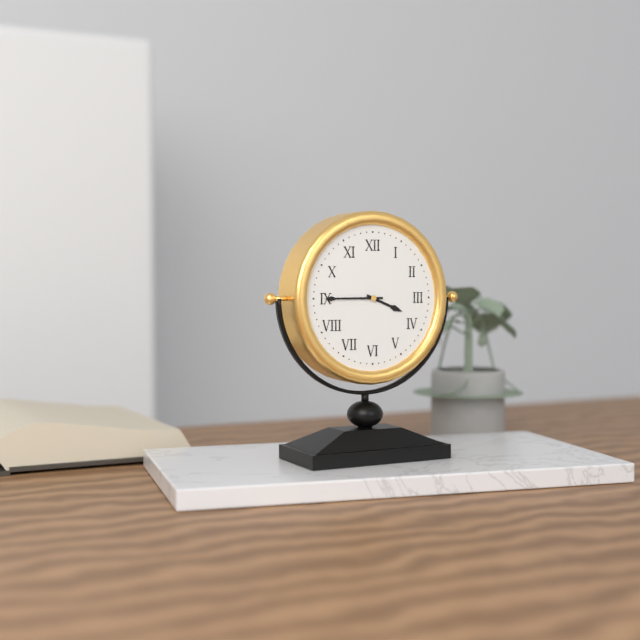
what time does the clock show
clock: 3:45
